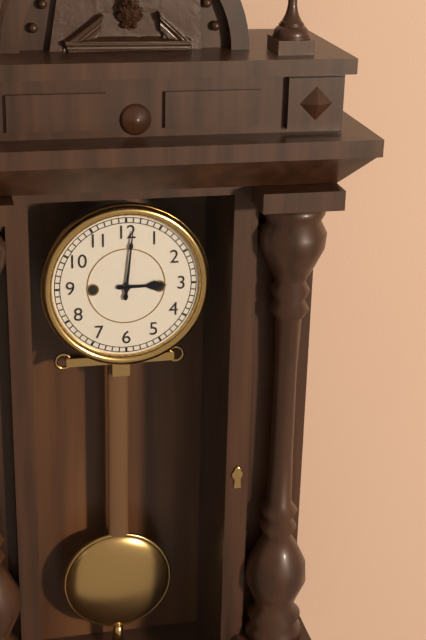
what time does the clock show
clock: 3:01
